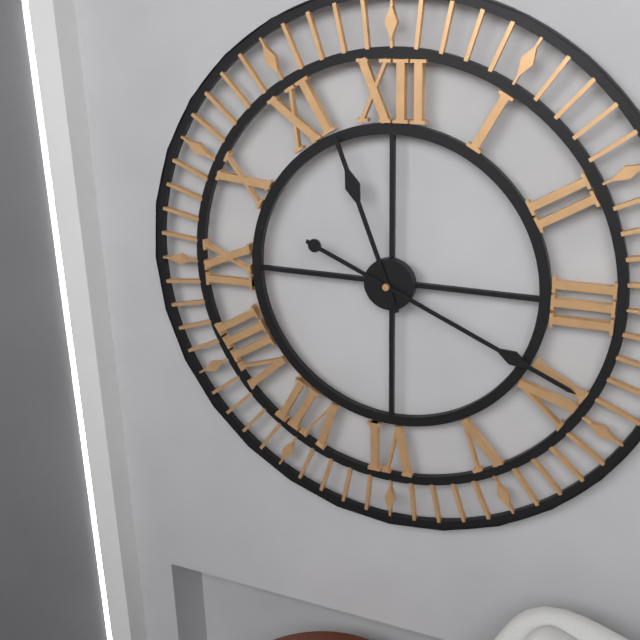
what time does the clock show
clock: 11:19
